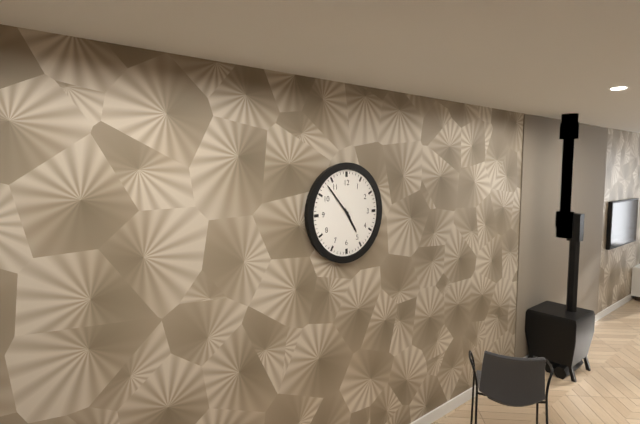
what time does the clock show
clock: 4:53
